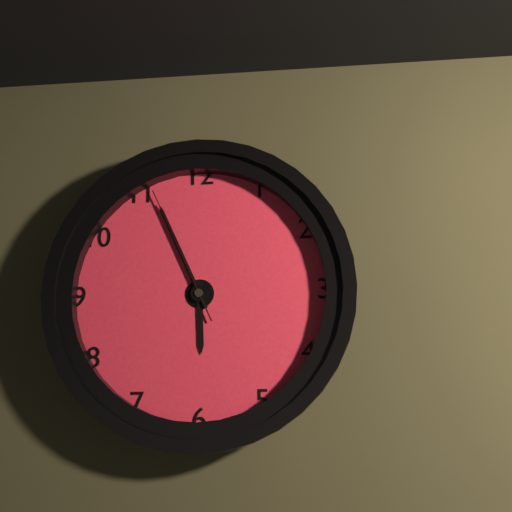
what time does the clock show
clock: 5:56:56
